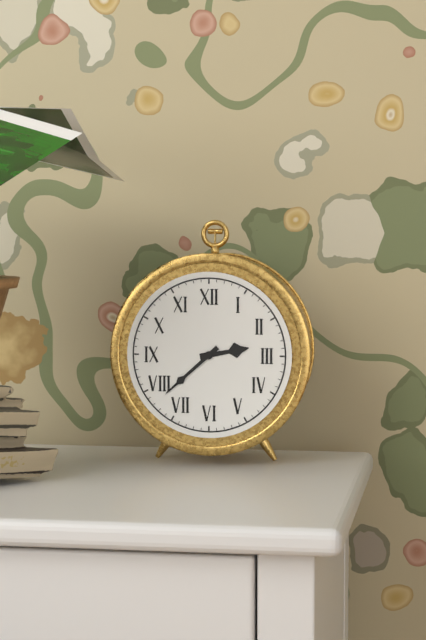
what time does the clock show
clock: 2:38
